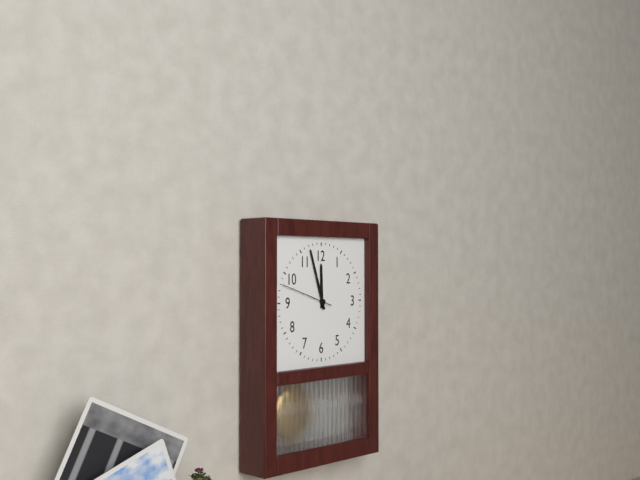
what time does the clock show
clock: 11:57:48
